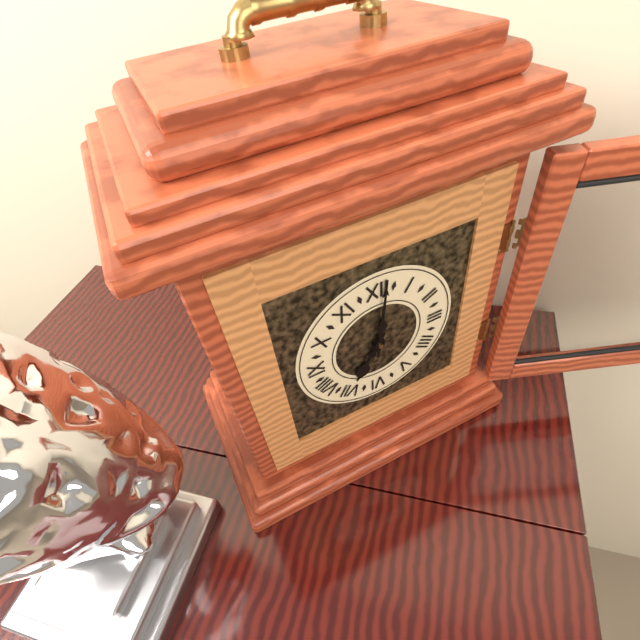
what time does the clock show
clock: 7:01
